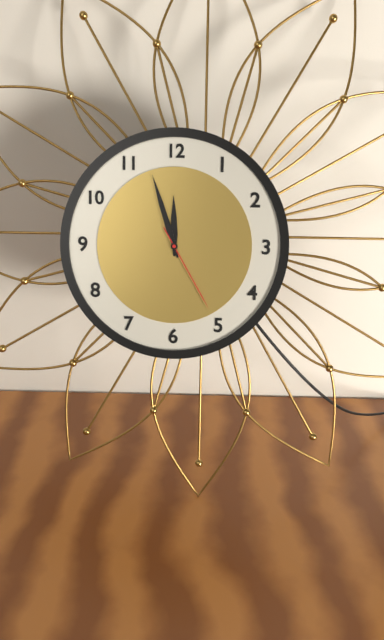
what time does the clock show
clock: 11:57:25
